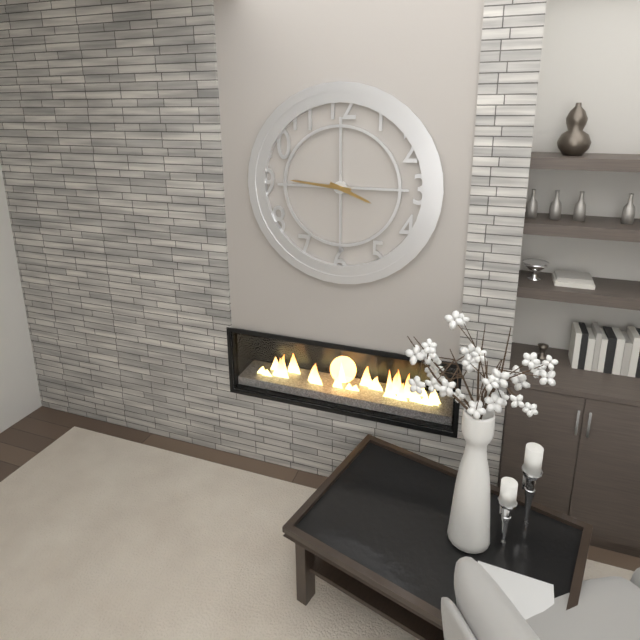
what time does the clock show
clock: 3:46
